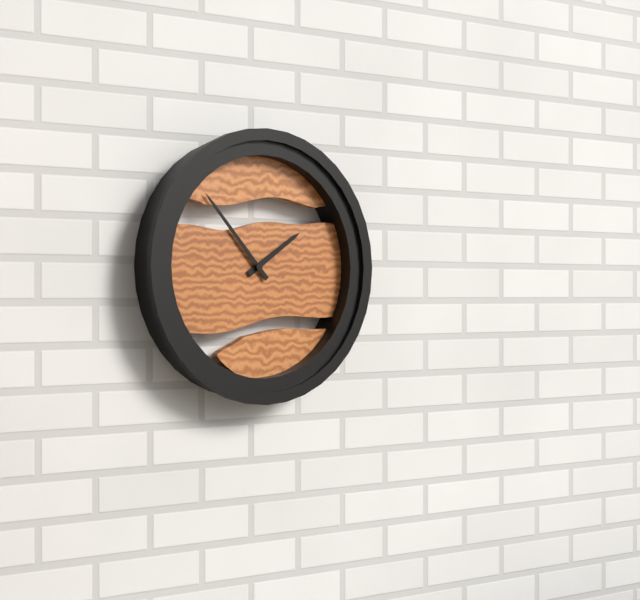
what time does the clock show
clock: 1:53
